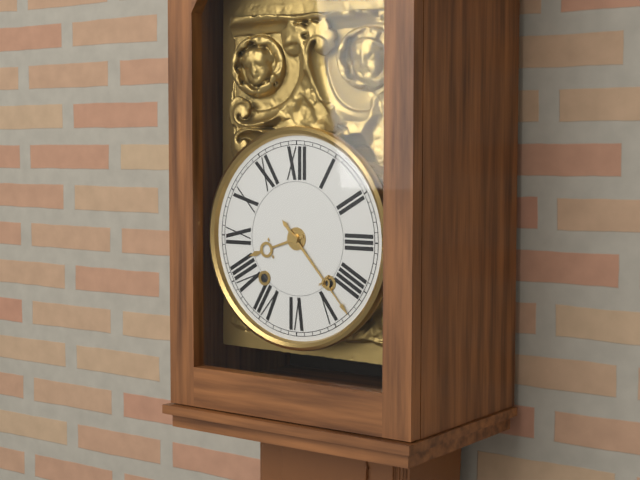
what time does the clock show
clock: 8:23
